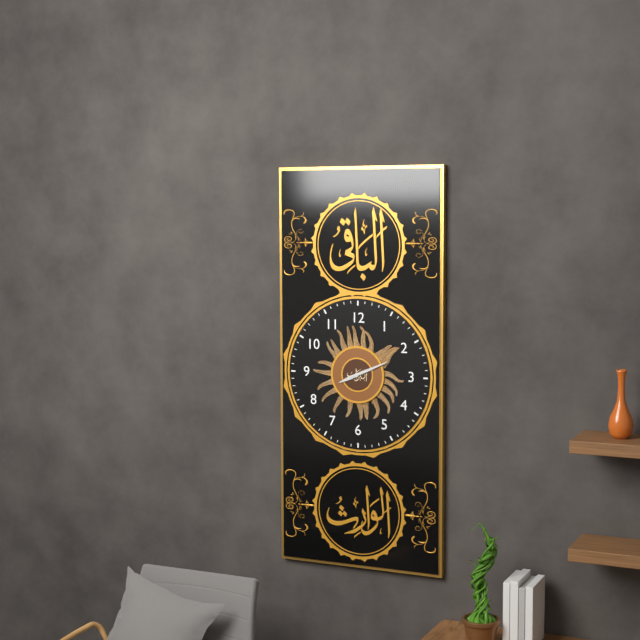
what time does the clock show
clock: 8:11
